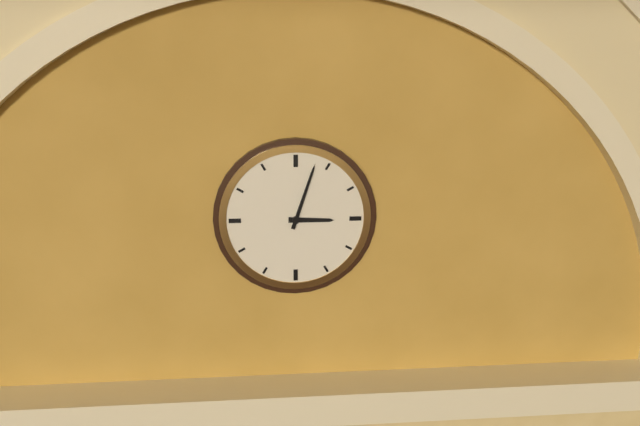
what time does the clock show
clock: 3:03
